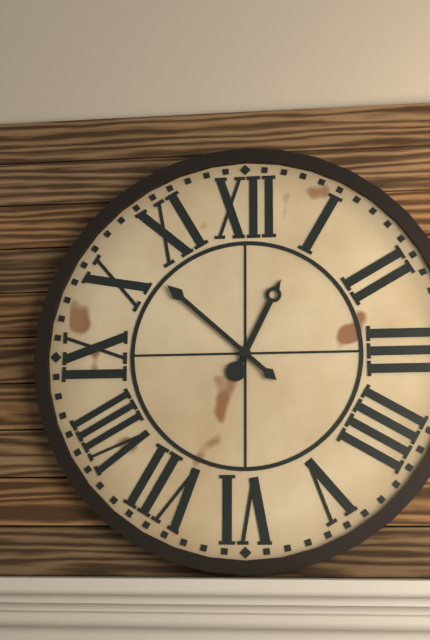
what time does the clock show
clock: 12:52
